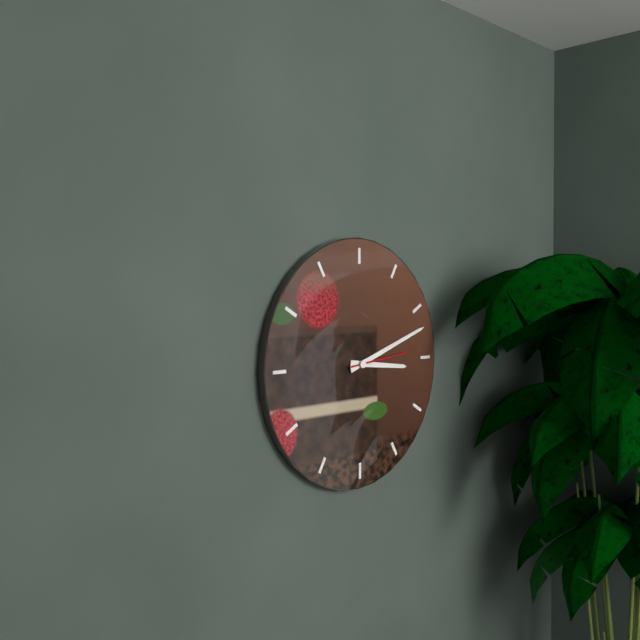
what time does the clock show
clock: 3:12:14
